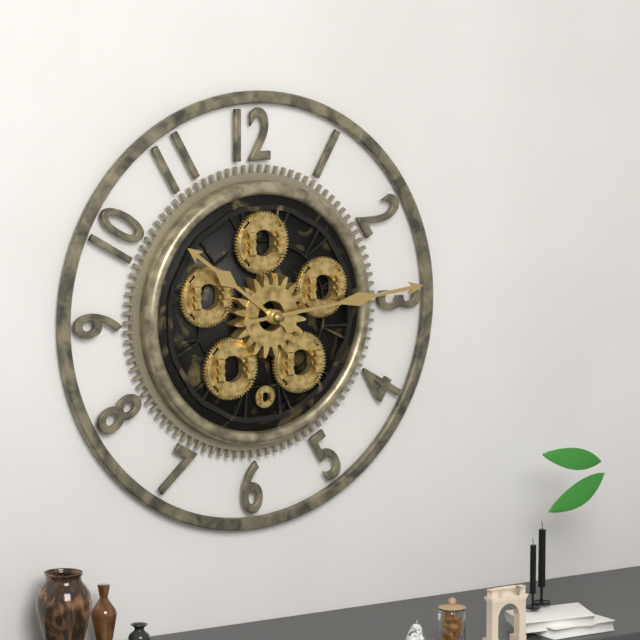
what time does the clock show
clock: 10:14
